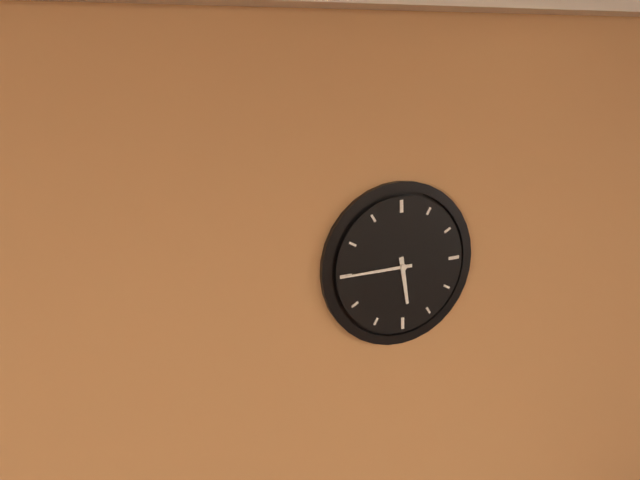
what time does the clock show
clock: 5:45
